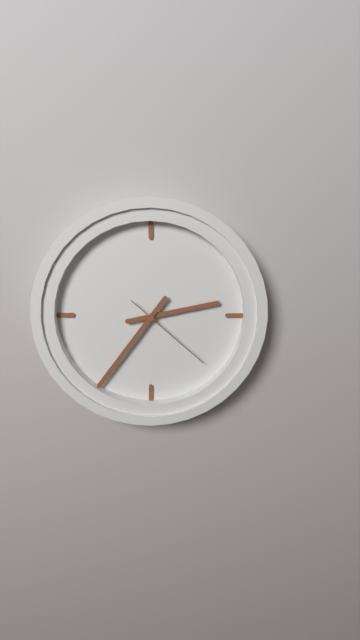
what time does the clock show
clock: 2:36:22
